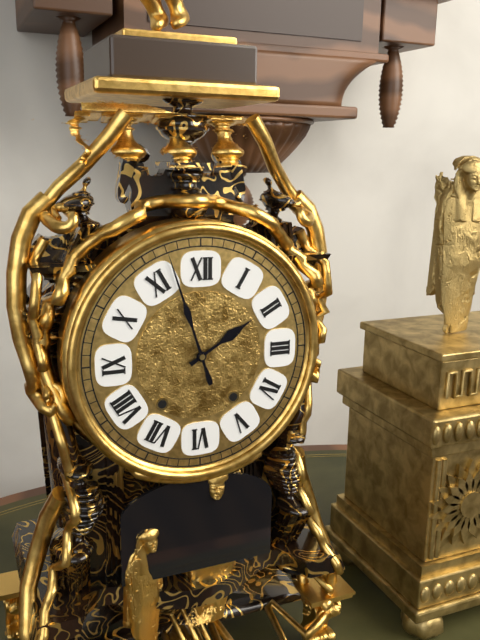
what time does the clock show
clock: 1:57
